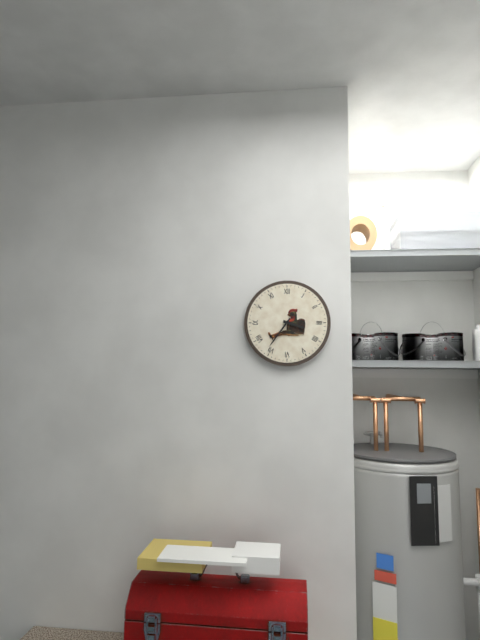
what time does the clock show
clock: 3:36
